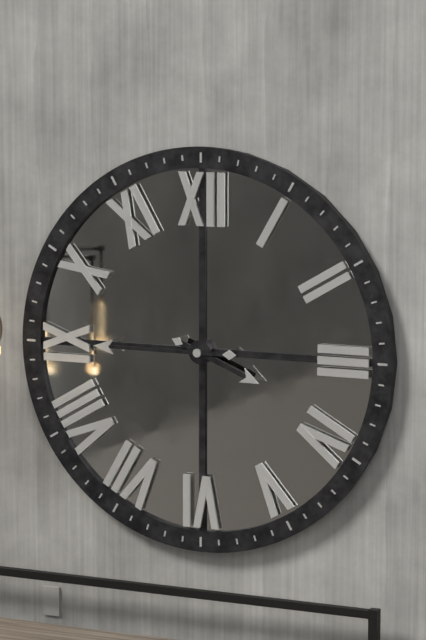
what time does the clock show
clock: 3:45
